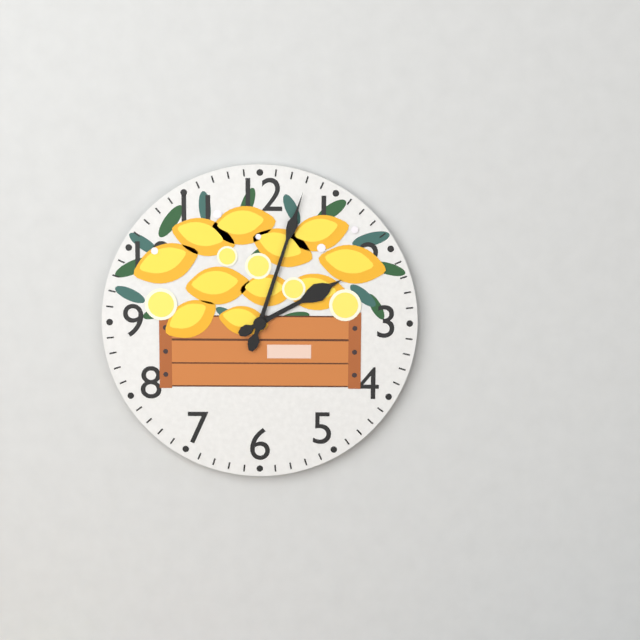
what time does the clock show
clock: 2:03
